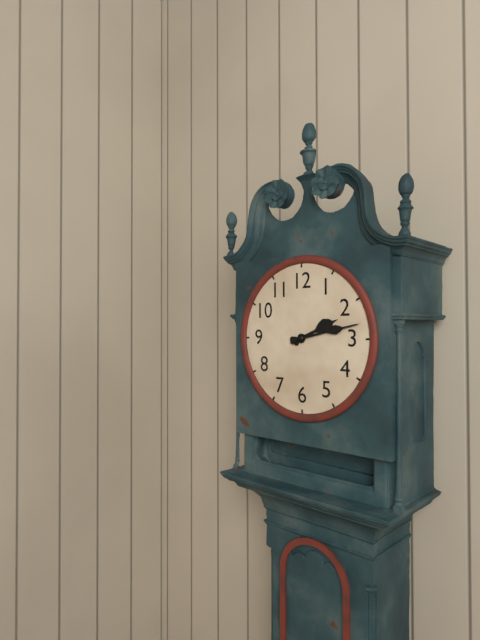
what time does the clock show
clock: 2:13
